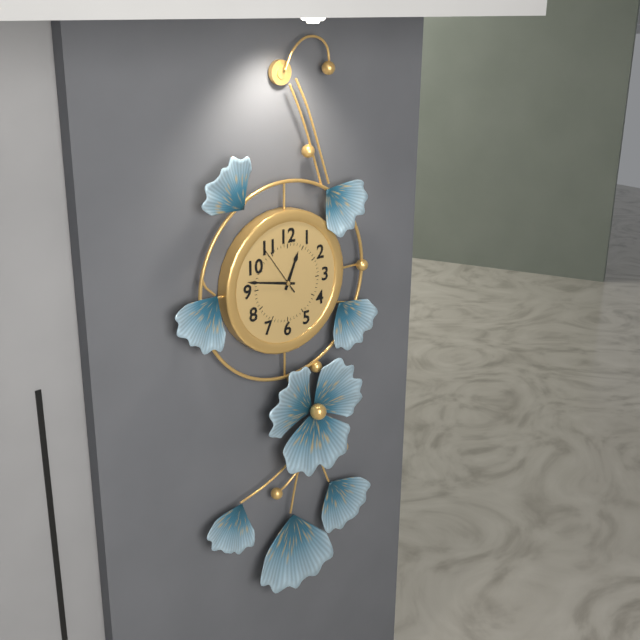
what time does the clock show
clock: 12:47:54
